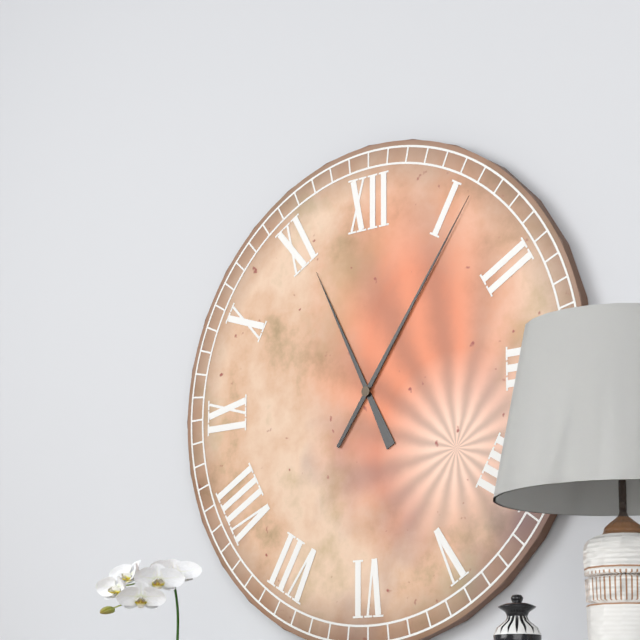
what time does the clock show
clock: 11:06
